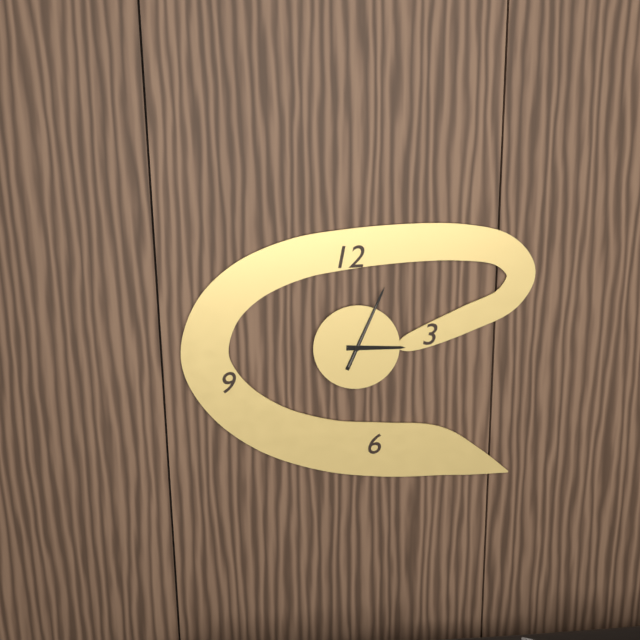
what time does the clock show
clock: 3:04:04
